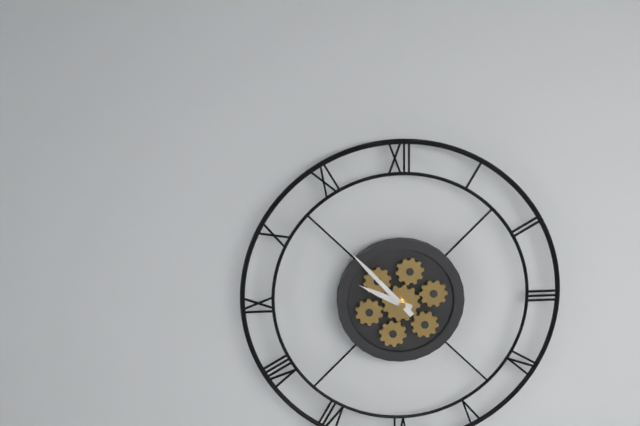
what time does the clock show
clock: 9:53
